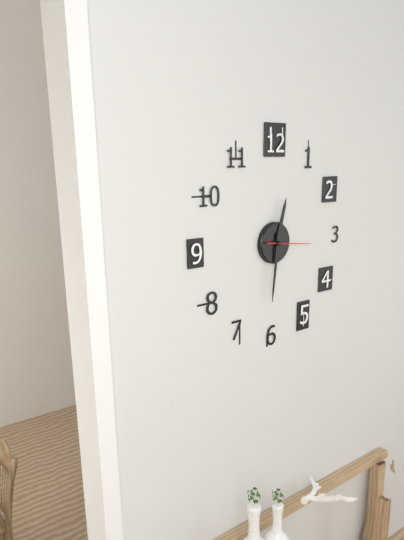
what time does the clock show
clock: 12:31:16
